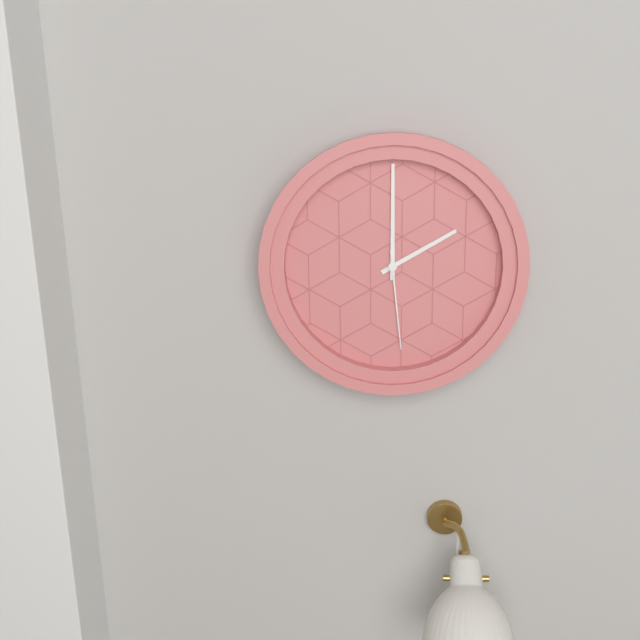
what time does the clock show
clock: 2:00:29
